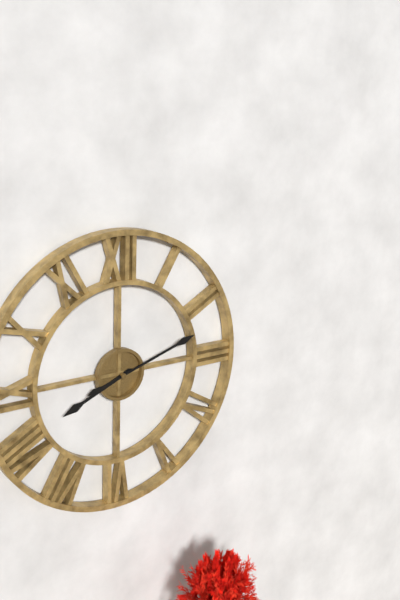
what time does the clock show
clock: 8:12
